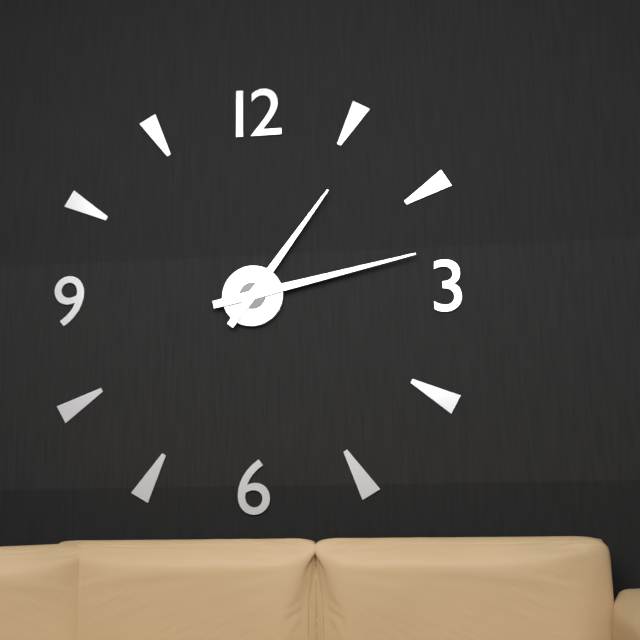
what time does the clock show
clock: 1:13
